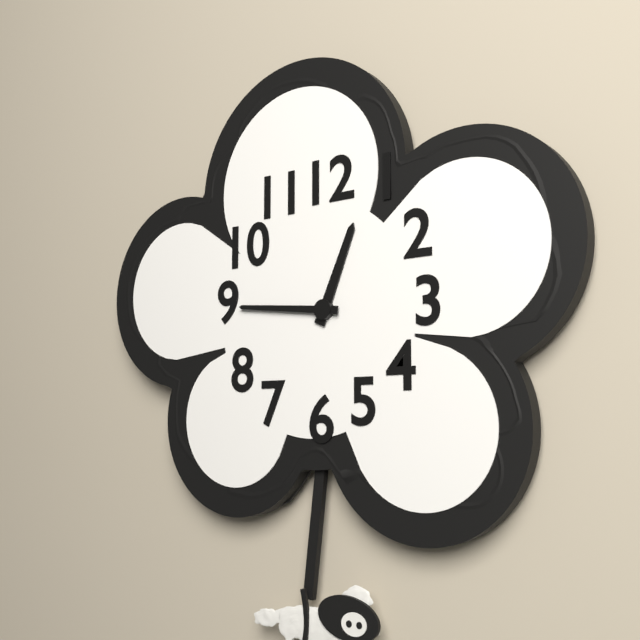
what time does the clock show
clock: 12:46
